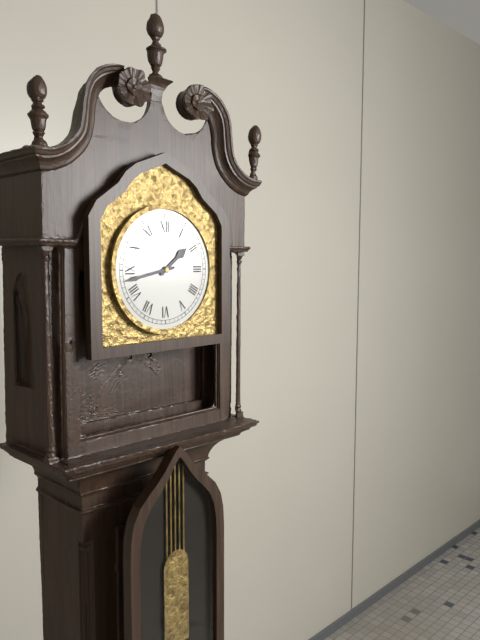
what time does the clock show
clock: 1:43
